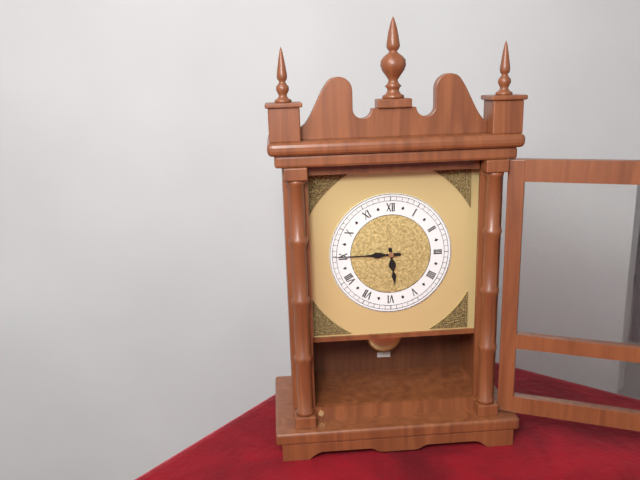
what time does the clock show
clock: 5:45
